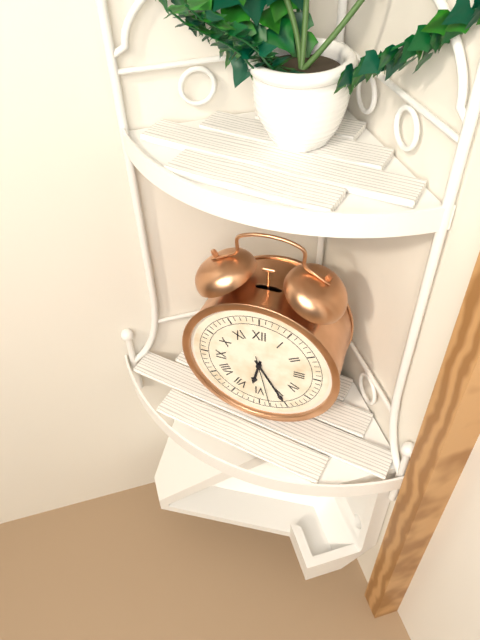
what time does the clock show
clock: 6:25:28
